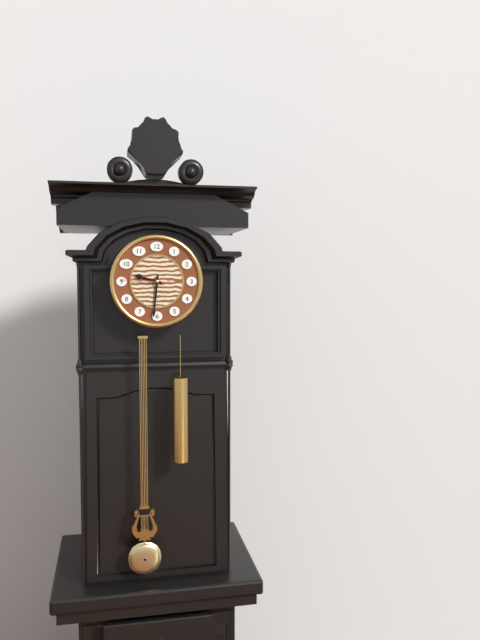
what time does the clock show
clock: 9:31
